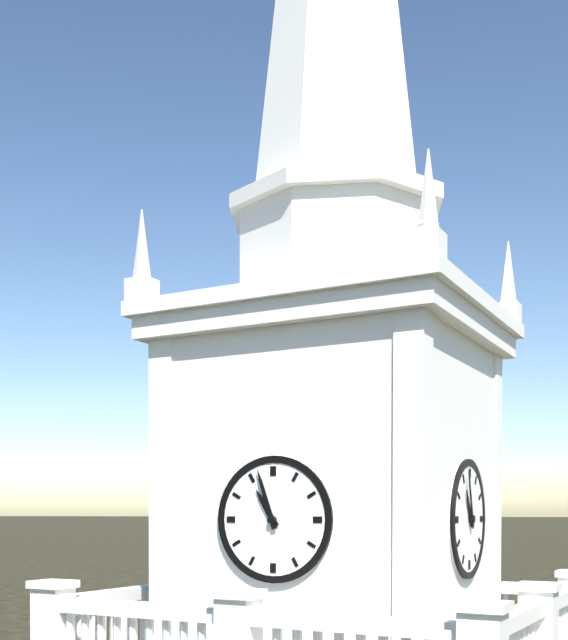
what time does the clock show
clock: 10:57
